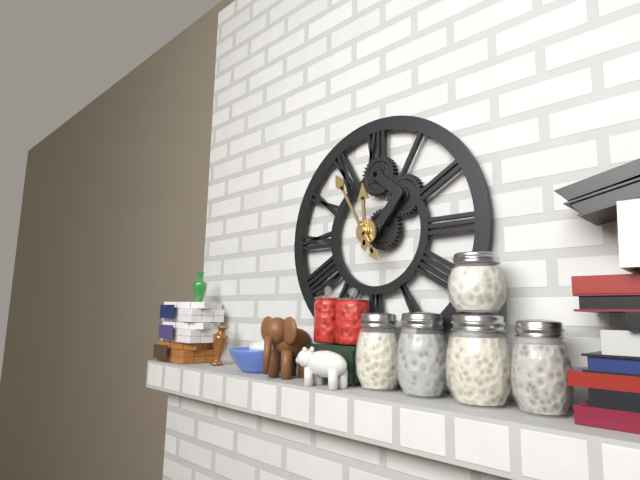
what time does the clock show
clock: 11:55
